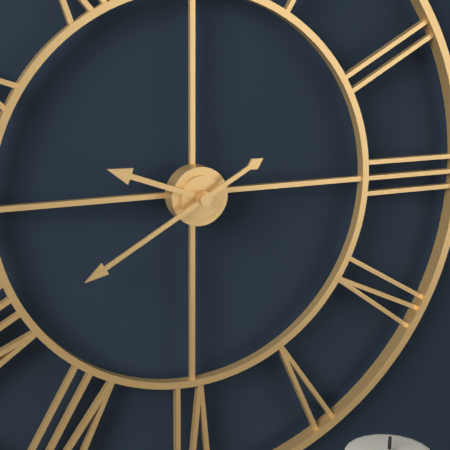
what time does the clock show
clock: 9:40
